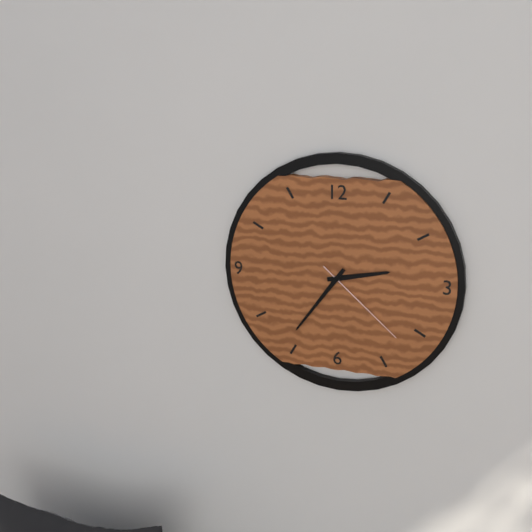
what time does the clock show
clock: 2:36:22
